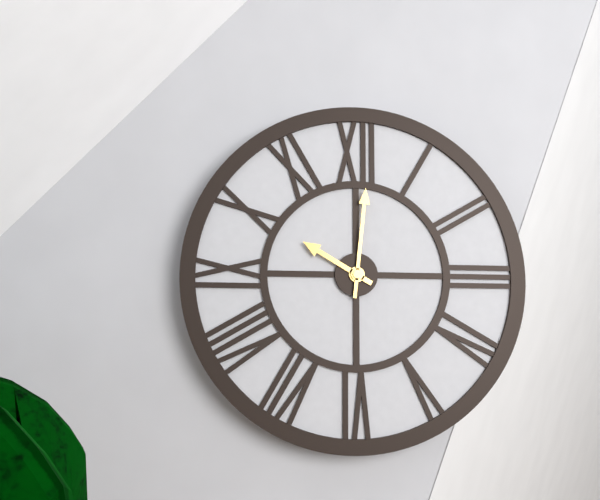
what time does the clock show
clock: 10:01
